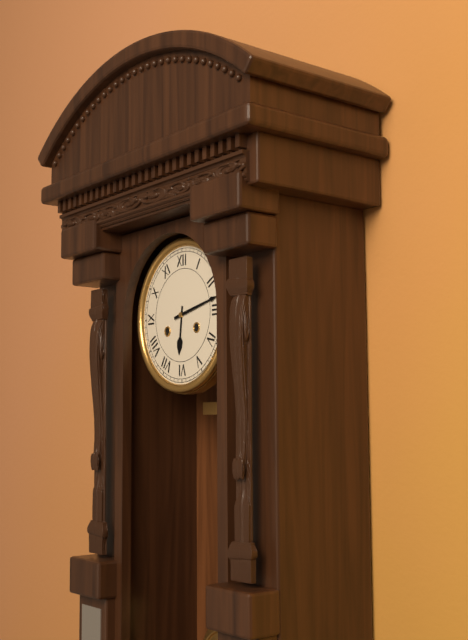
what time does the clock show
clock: 6:13
